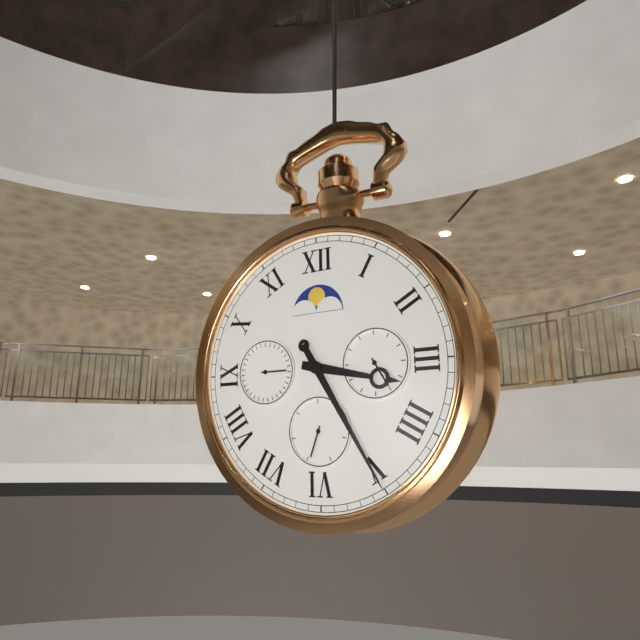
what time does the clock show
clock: 3:25
